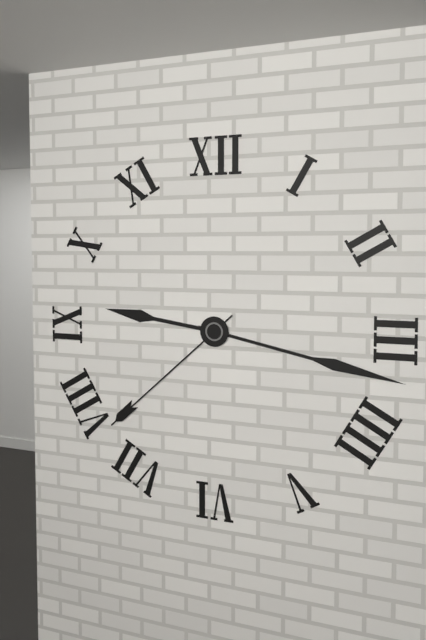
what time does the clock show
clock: 9:17:38
